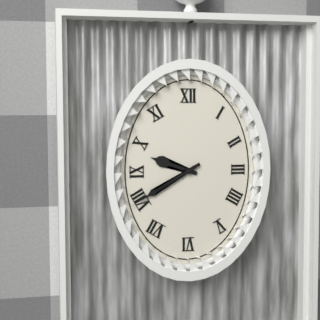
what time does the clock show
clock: 9:40
